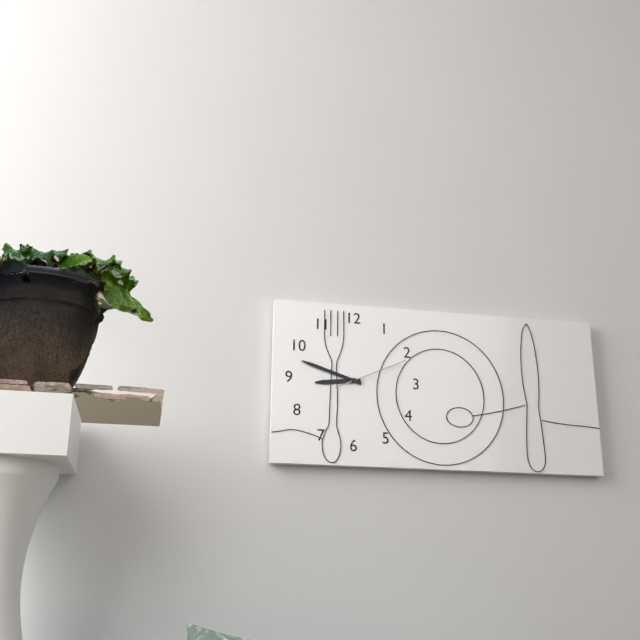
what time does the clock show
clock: 8:48:11
